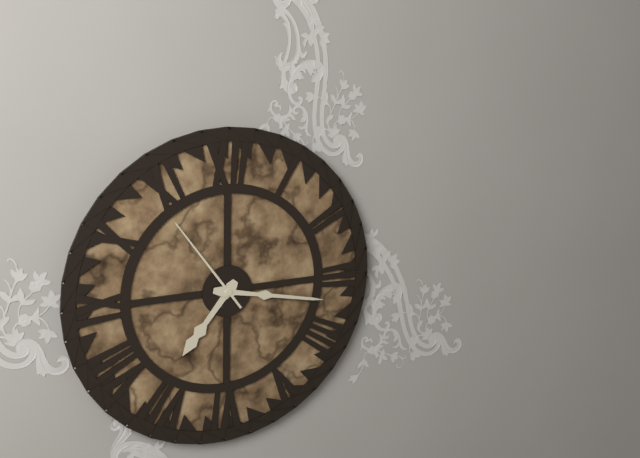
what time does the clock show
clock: 7:17:54
